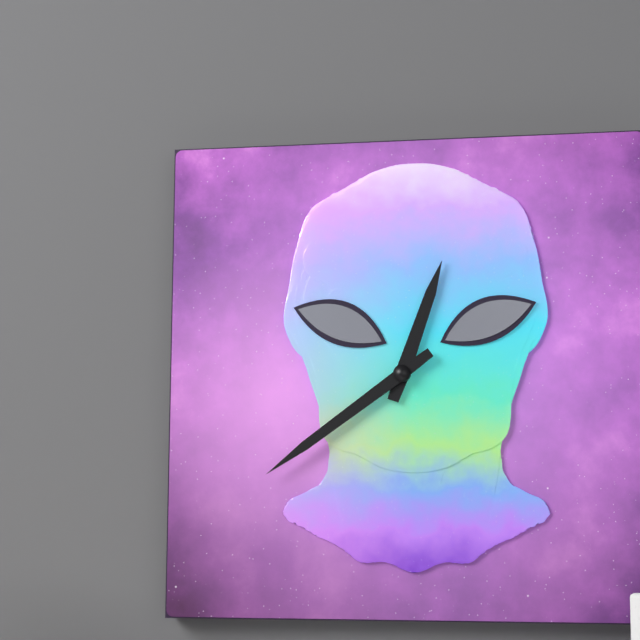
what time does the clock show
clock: 12:39
